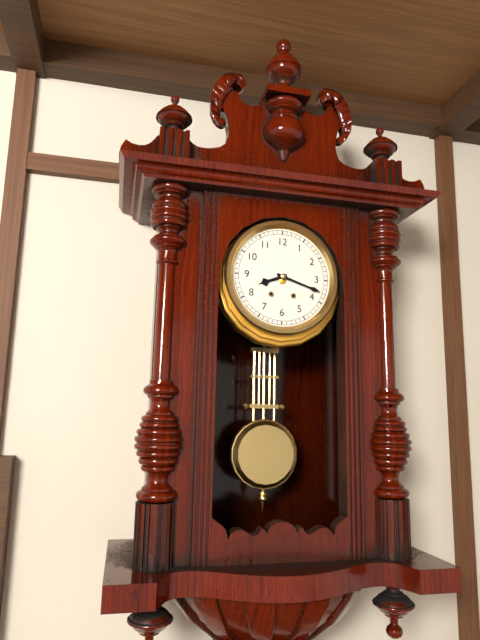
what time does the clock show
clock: 8:18
